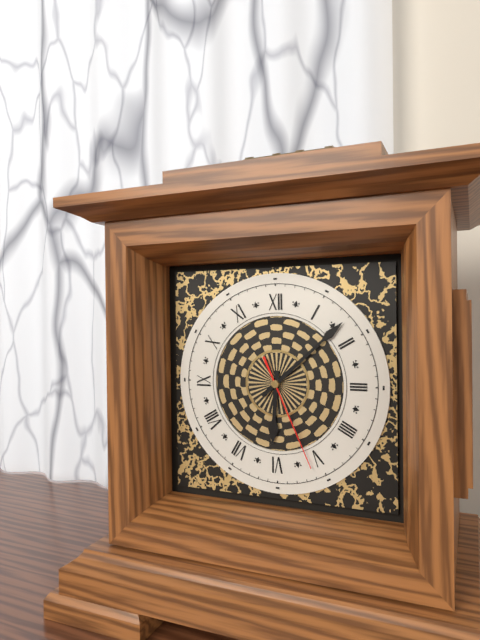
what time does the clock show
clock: 6:08:26
